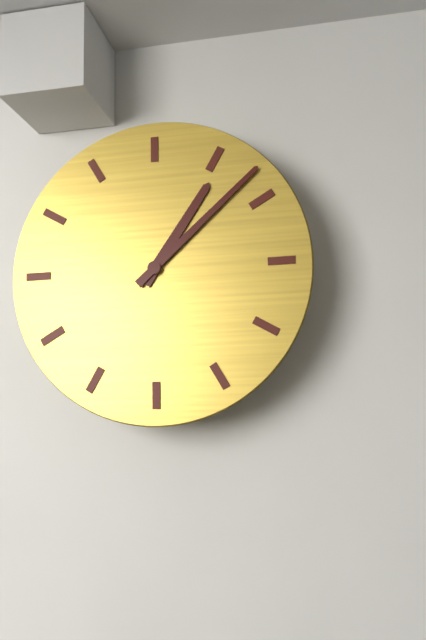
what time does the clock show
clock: 1:08
